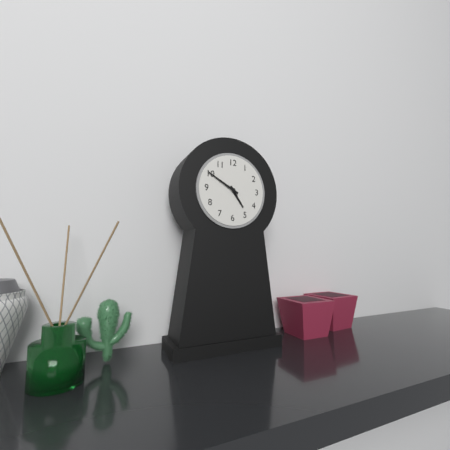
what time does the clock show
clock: 4:50
